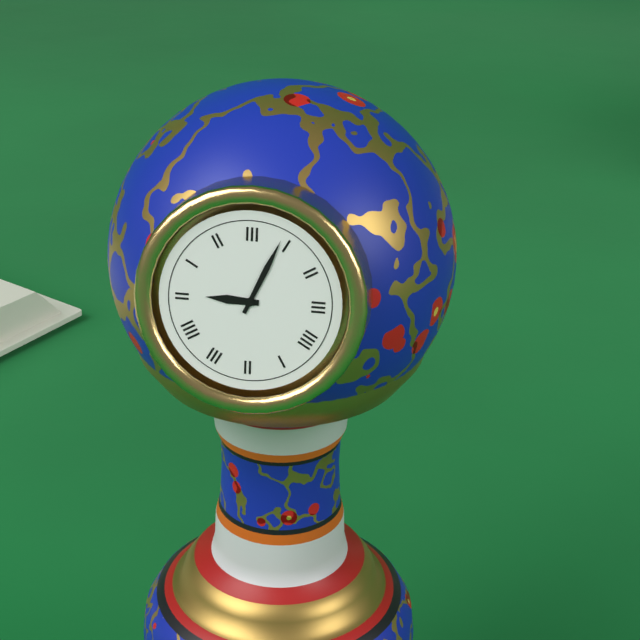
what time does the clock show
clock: 9:04
